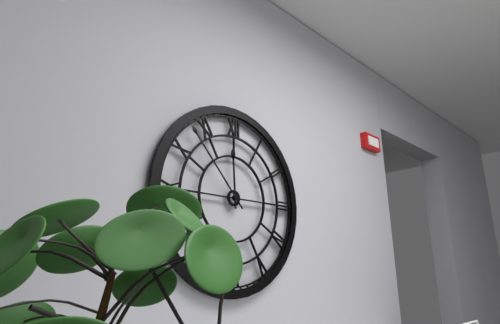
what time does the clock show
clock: 11:53
